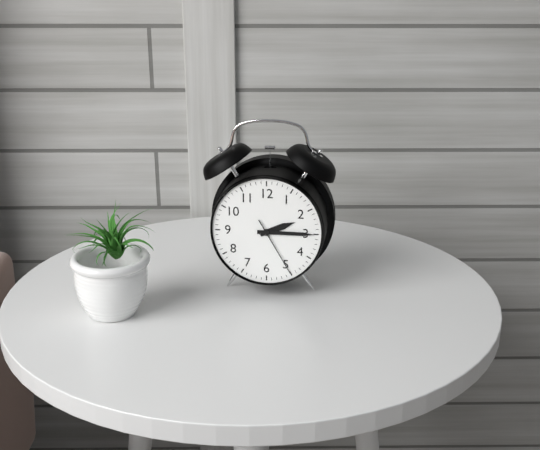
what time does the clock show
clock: 2:15:25
